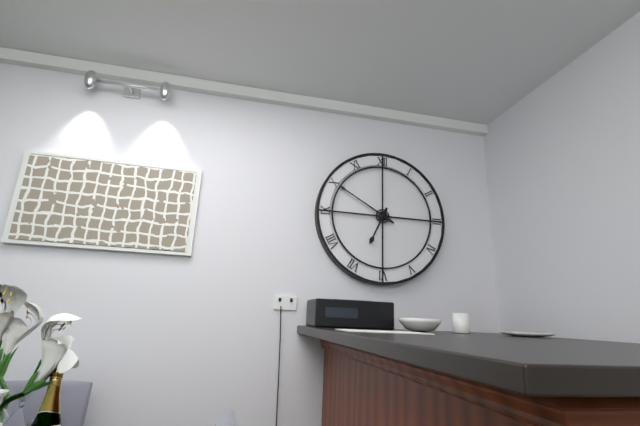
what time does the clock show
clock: 6:50
